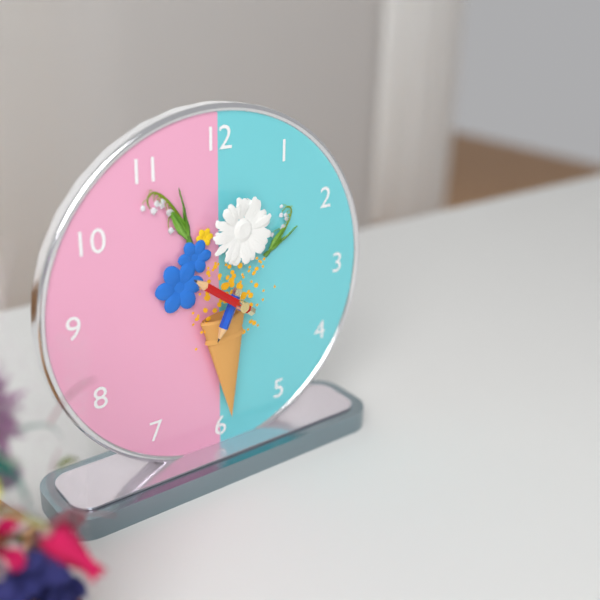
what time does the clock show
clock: 6:51
